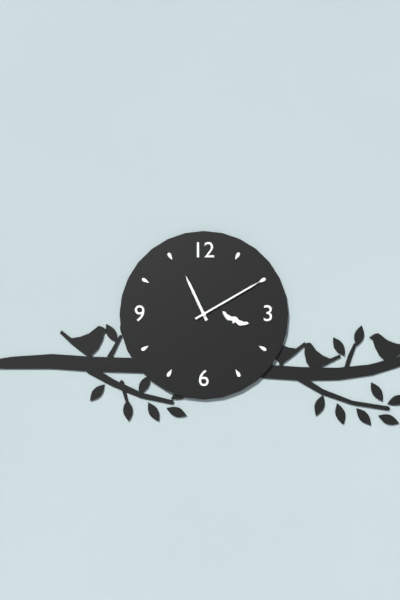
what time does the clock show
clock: 11:10
